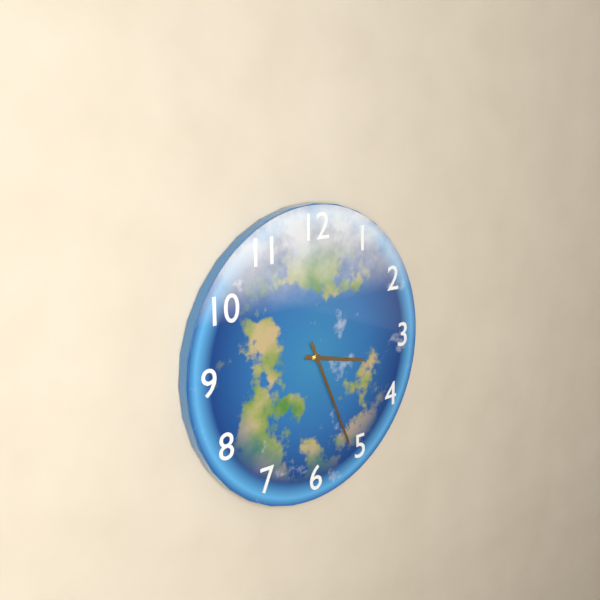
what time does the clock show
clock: 3:26
